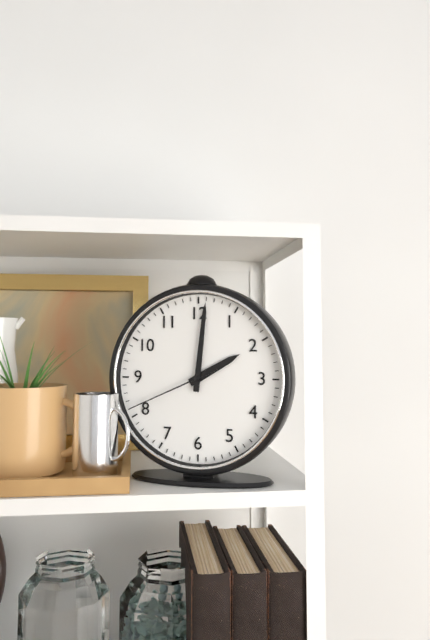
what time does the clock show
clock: 2:01:41
